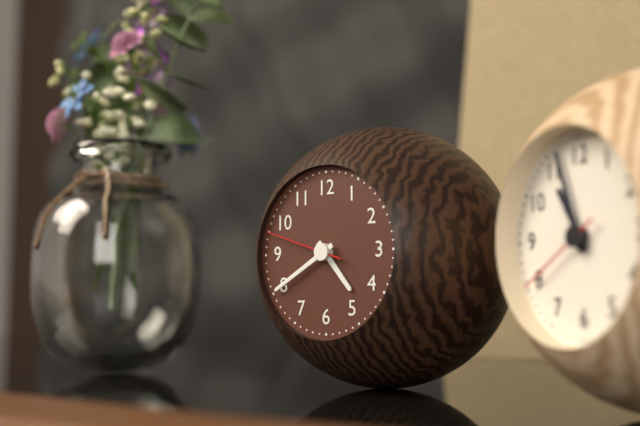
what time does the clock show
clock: 4:40:48
